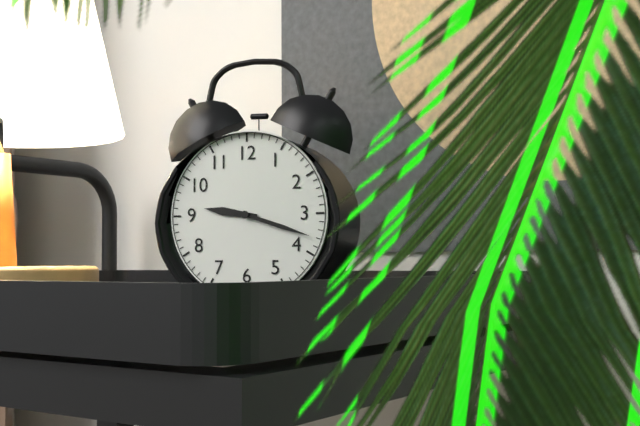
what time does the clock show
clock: 9:18
